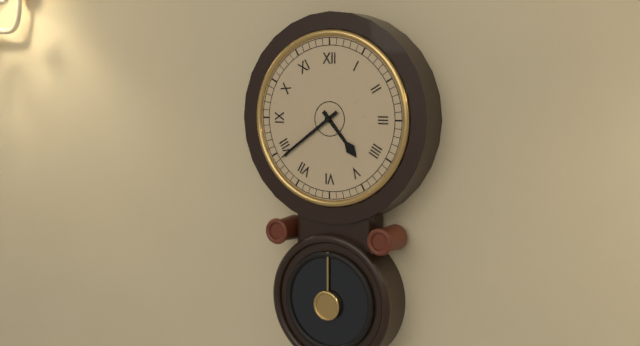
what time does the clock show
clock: 4:39
